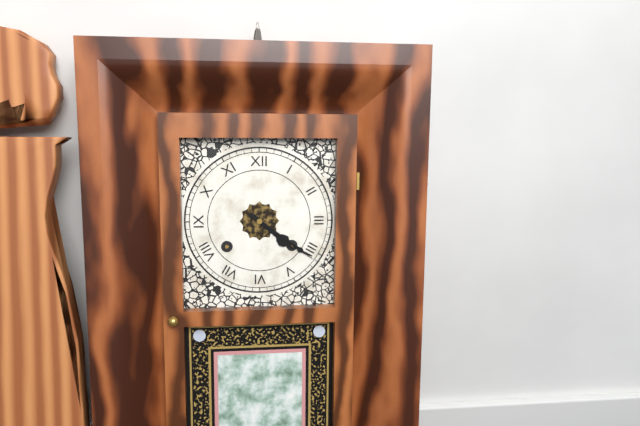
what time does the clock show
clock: 4:21
